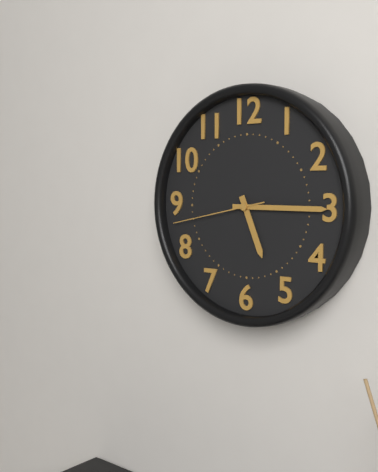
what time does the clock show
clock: 5:15:43
